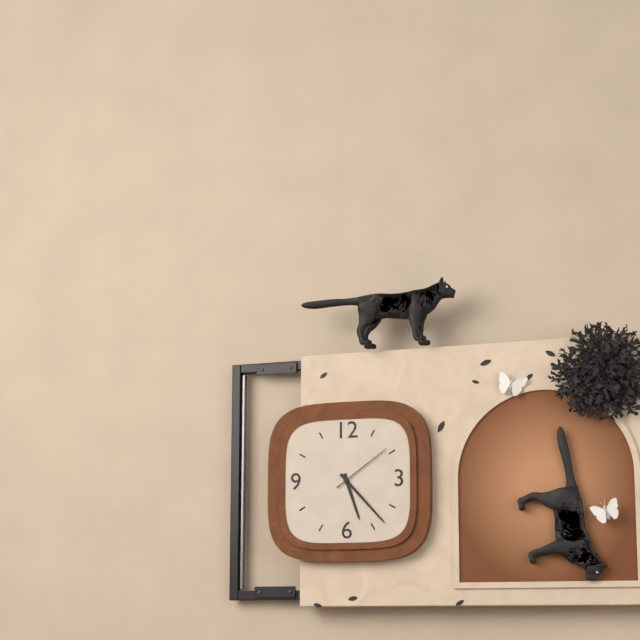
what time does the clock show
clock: 5:23:09
